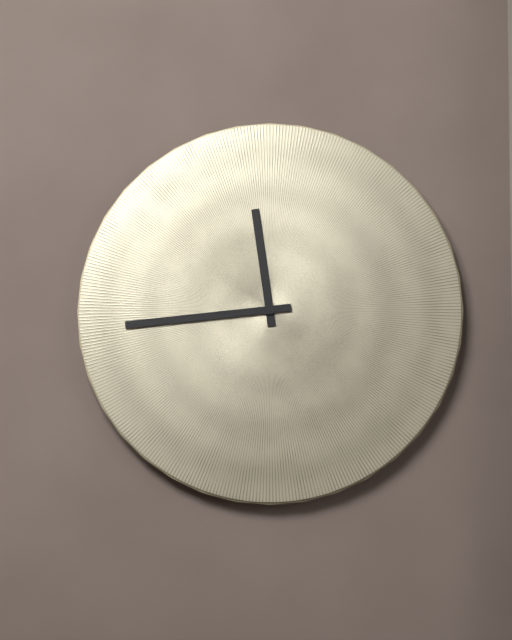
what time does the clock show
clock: 11:44
